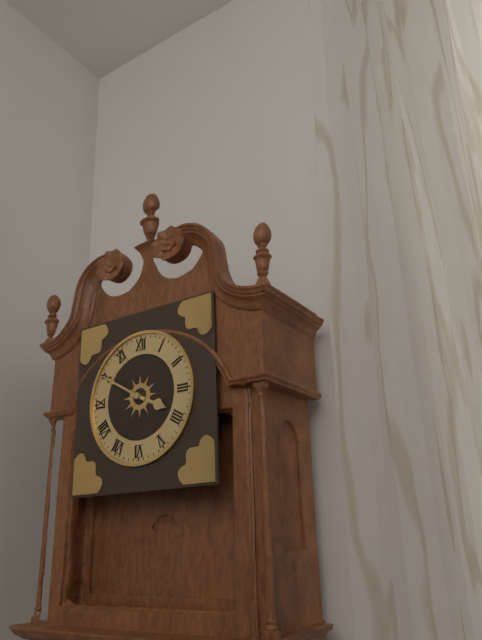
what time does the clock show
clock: 3:50
